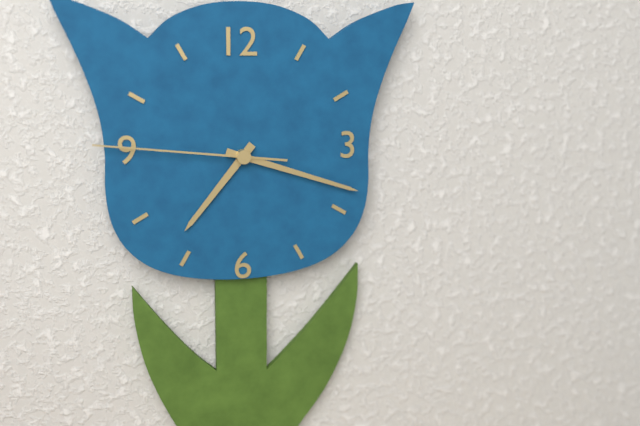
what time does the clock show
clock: 7:18:46
